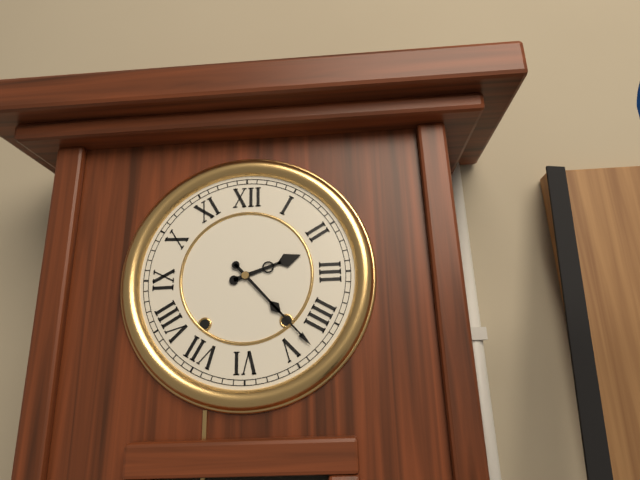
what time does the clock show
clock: 2:23
